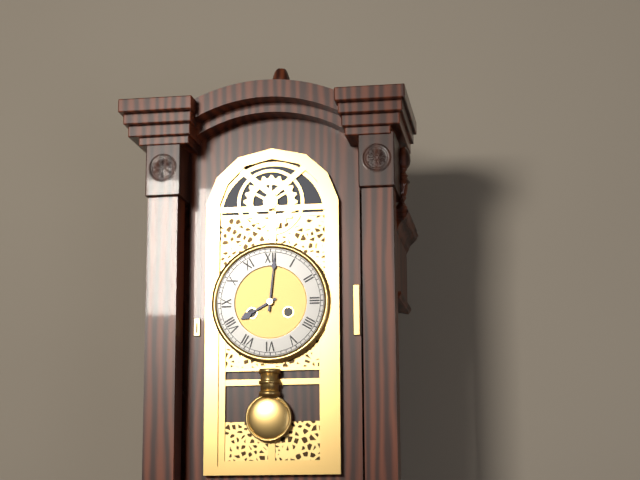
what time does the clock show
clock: 8:01
